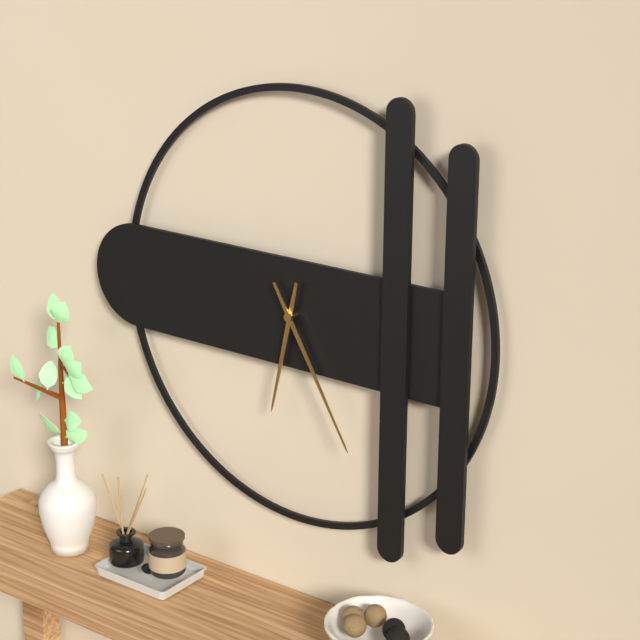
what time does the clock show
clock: 6:25
